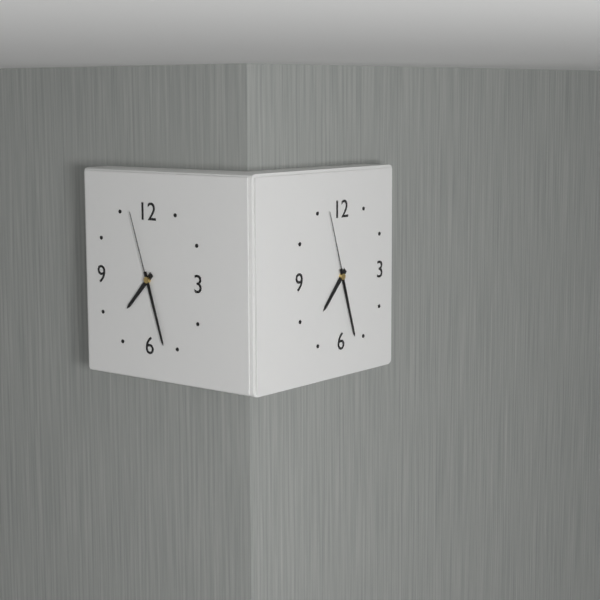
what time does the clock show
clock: 7:27:57
